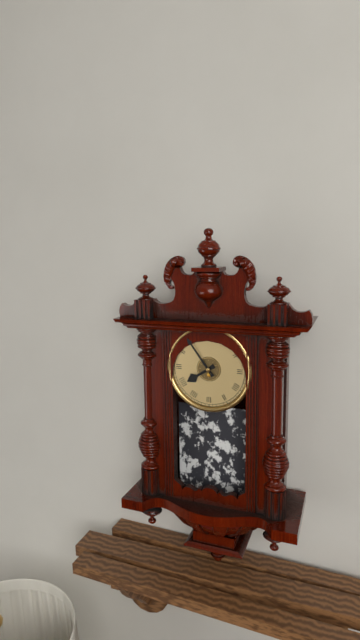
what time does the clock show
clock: 7:54
